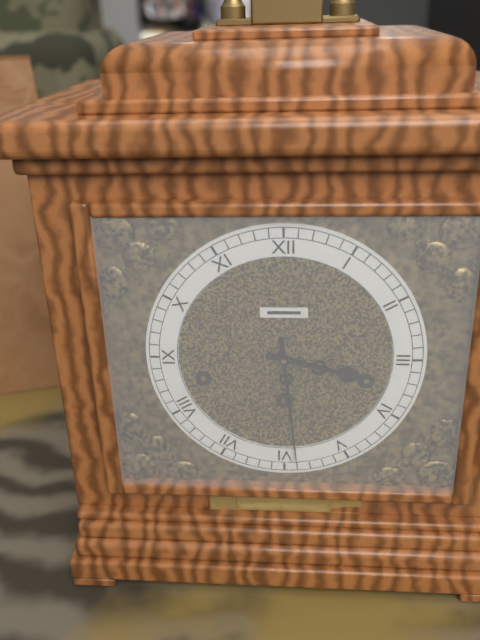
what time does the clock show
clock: 3:29
